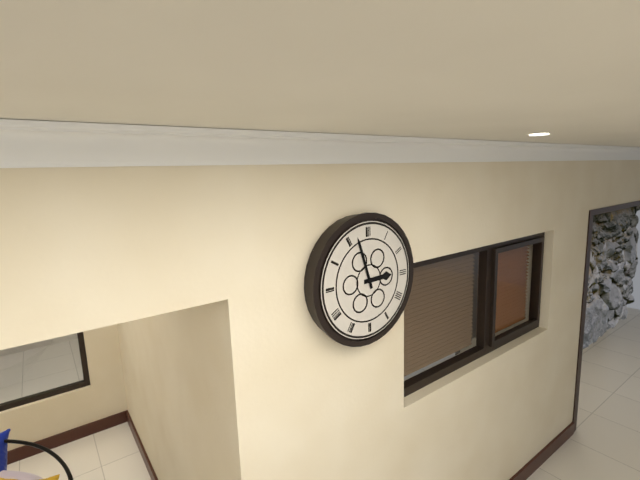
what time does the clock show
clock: 2:57
